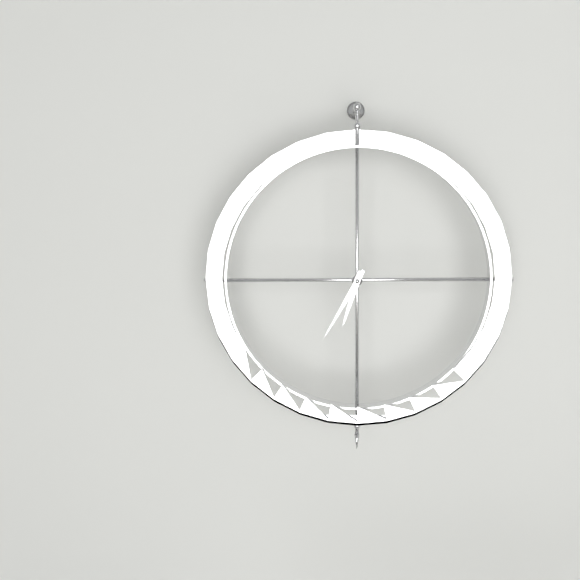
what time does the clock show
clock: 6:35
